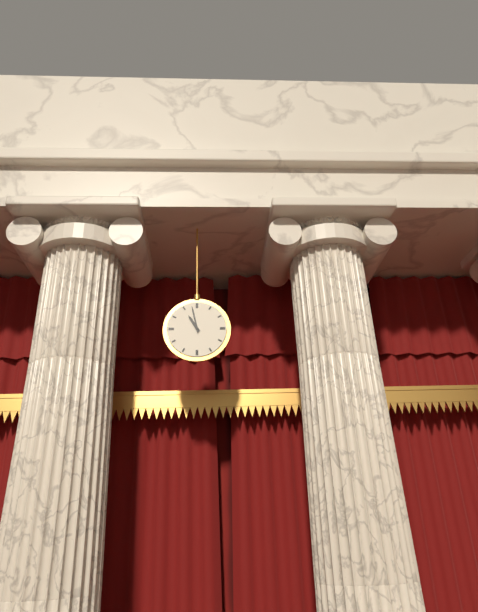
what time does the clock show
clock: 10:58
